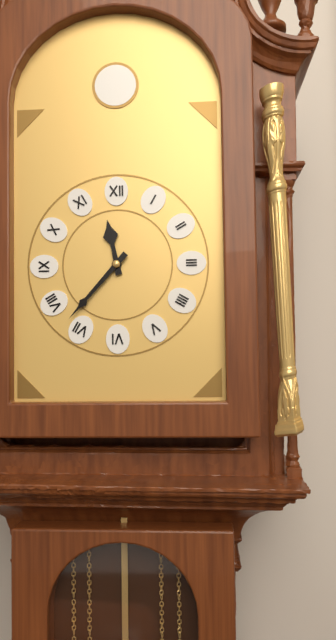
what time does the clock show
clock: 11:37
